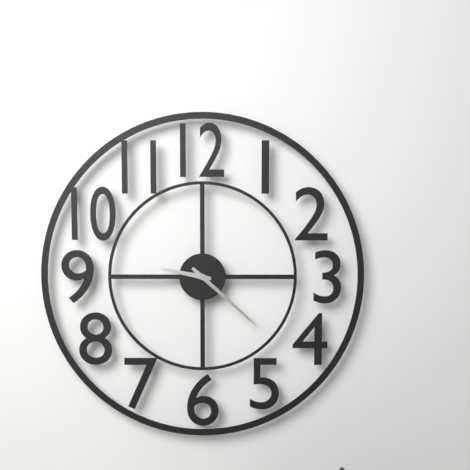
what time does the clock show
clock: 9:22
